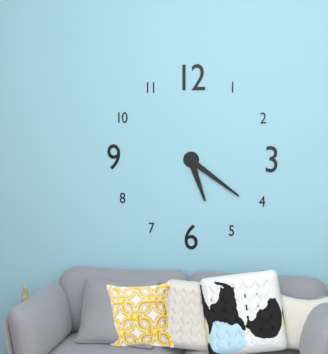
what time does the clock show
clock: 5:21
